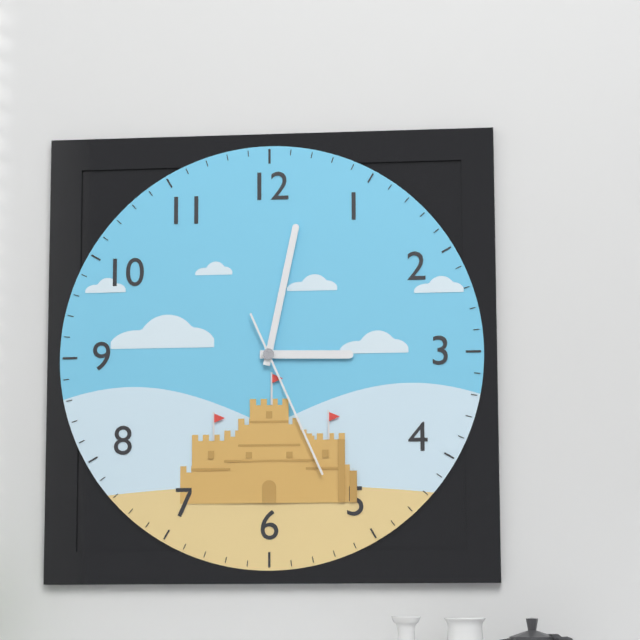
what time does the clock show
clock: 3:02:26
